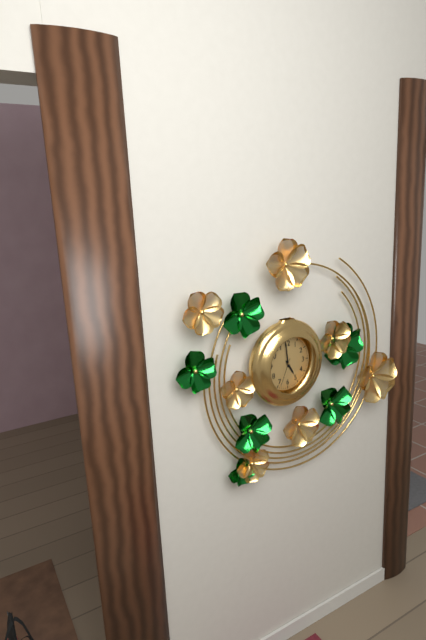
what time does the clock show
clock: 4:59
